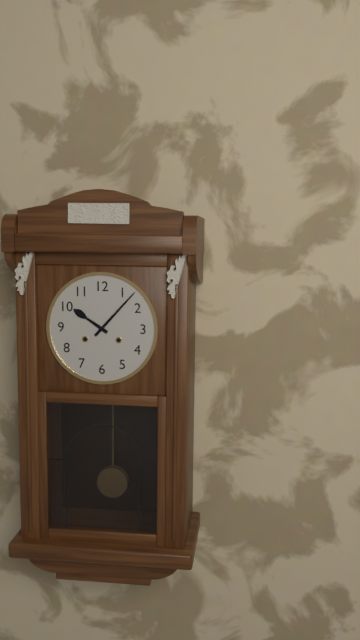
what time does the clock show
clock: 10:07
